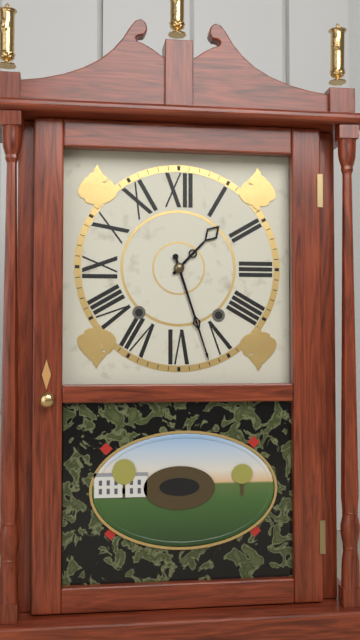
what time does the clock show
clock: 1:27
